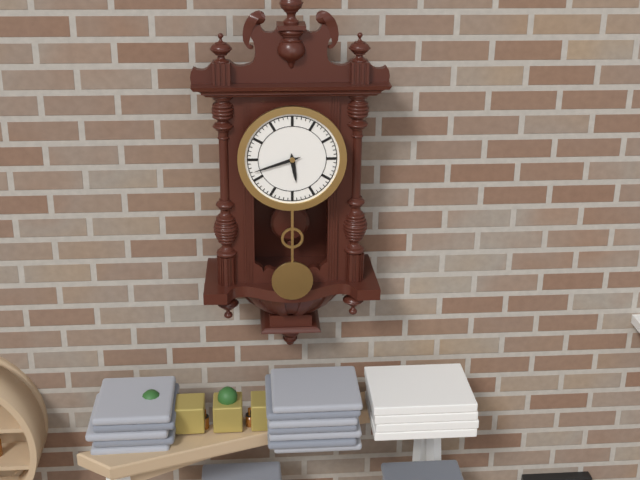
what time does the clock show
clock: 5:42
